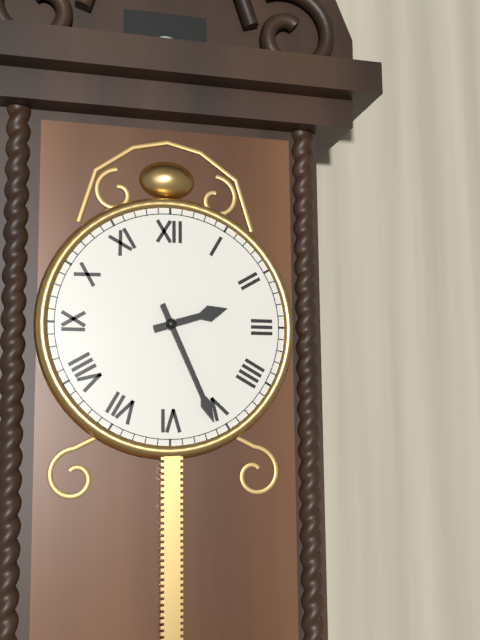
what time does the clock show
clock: 2:26
